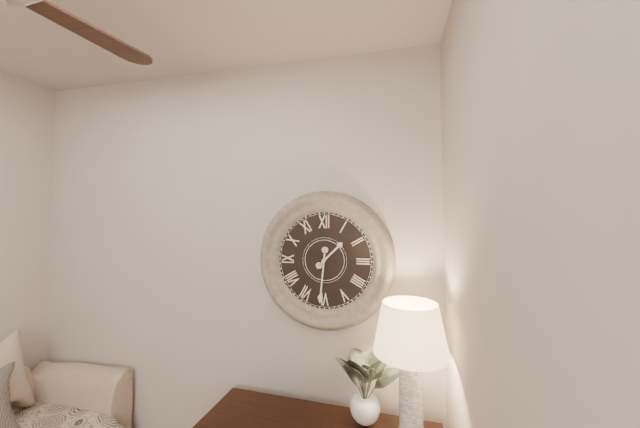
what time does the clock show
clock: 1:31
